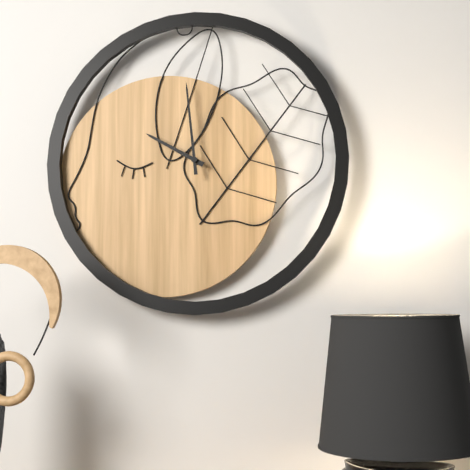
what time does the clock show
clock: 9:59
